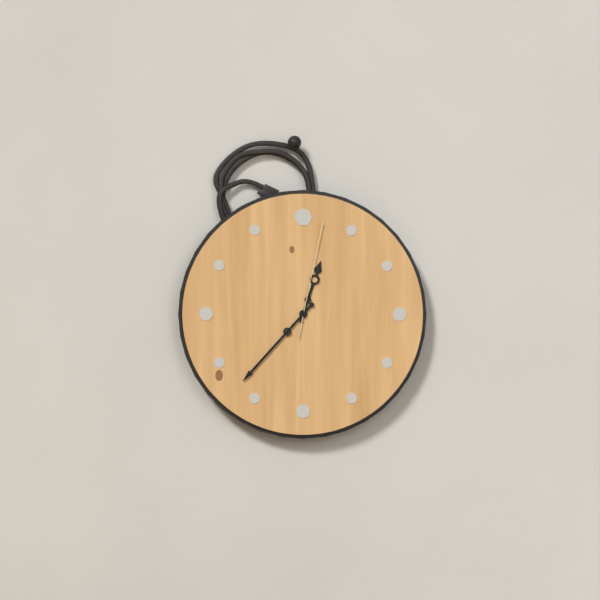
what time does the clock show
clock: 12:37:02
